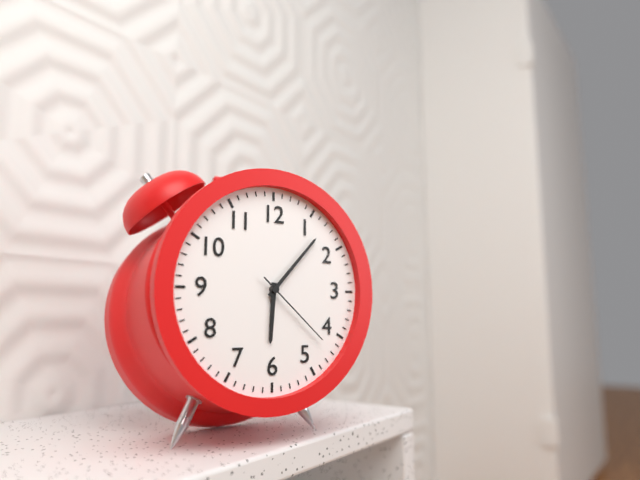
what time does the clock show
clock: 6:07:22
